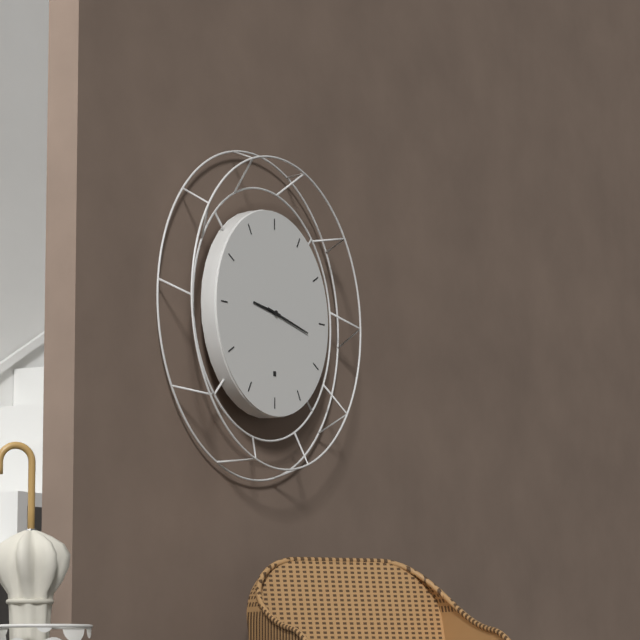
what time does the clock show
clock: 9:17
